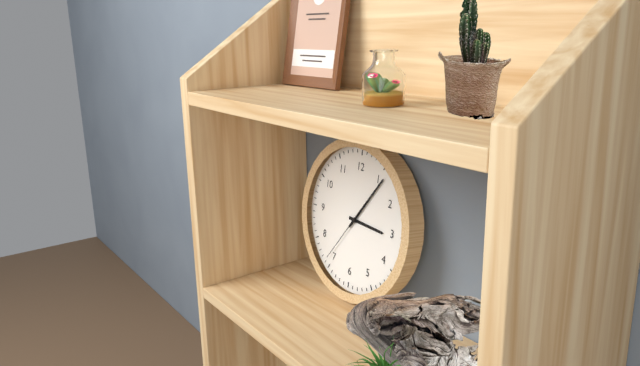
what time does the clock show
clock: 3:06:36
